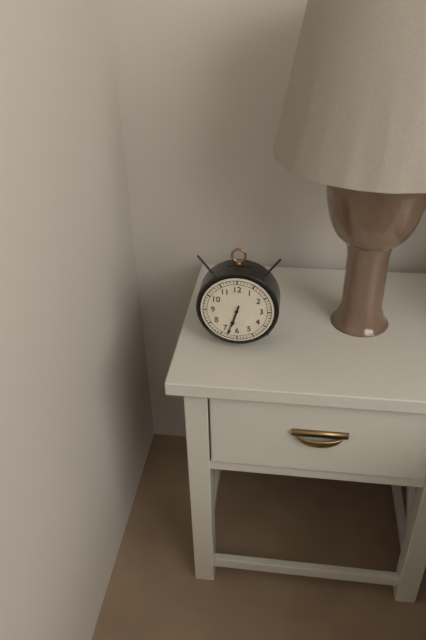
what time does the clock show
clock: 6:33
